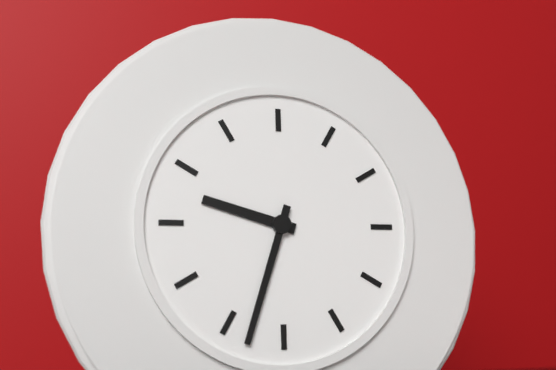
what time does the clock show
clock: 9:33
